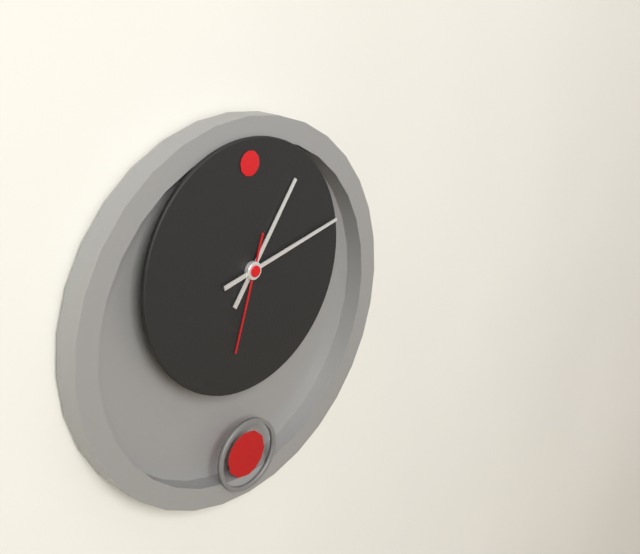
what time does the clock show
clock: 1:13:33
